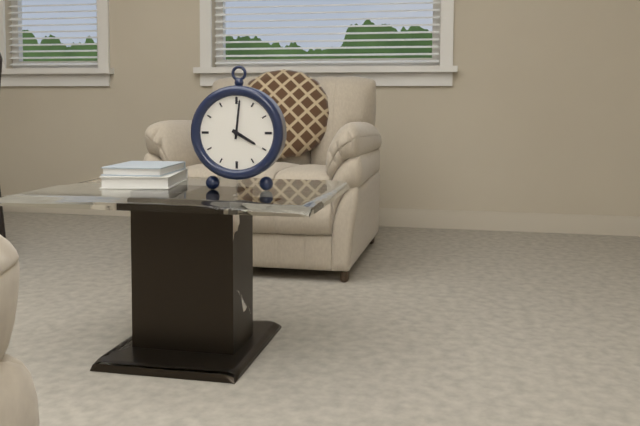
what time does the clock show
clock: 4:01
